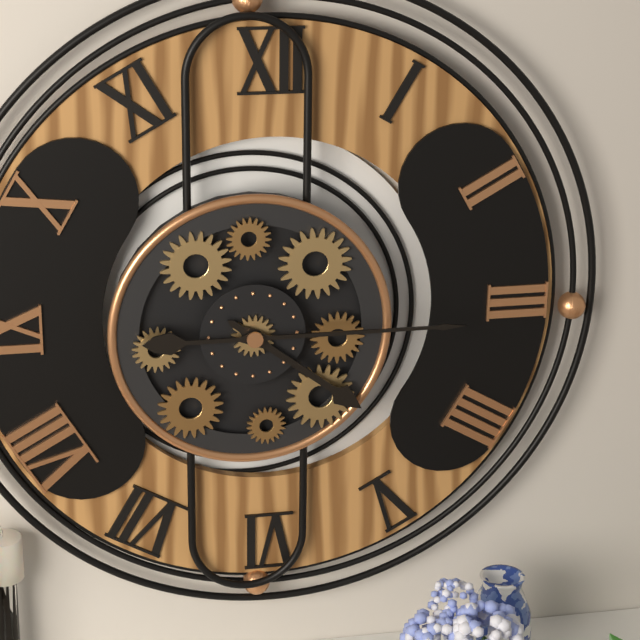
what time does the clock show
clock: 4:15
